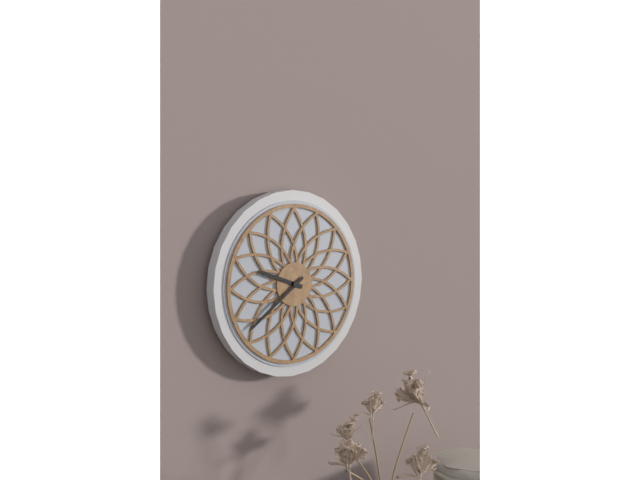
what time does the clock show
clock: 9:39
